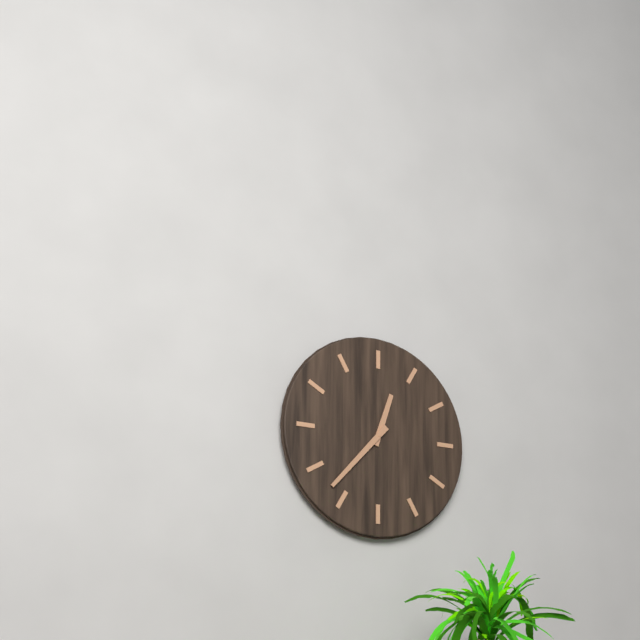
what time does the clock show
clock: 12:37
